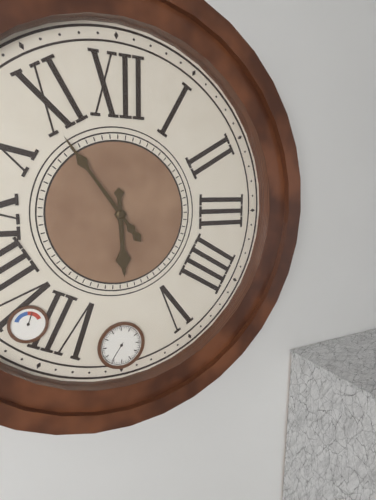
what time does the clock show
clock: 5:54
